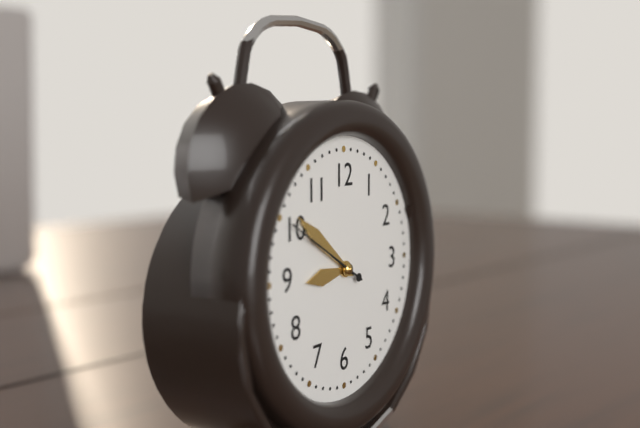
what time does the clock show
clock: 8:51:50
